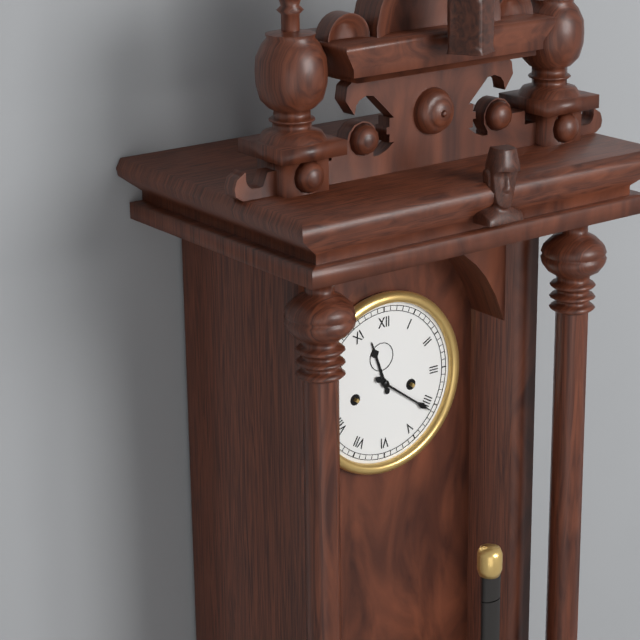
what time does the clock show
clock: 11:21
